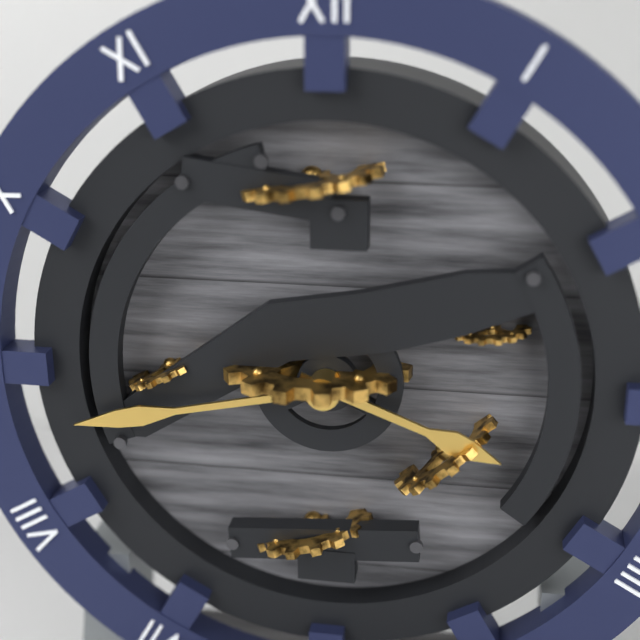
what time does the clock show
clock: 3:43
